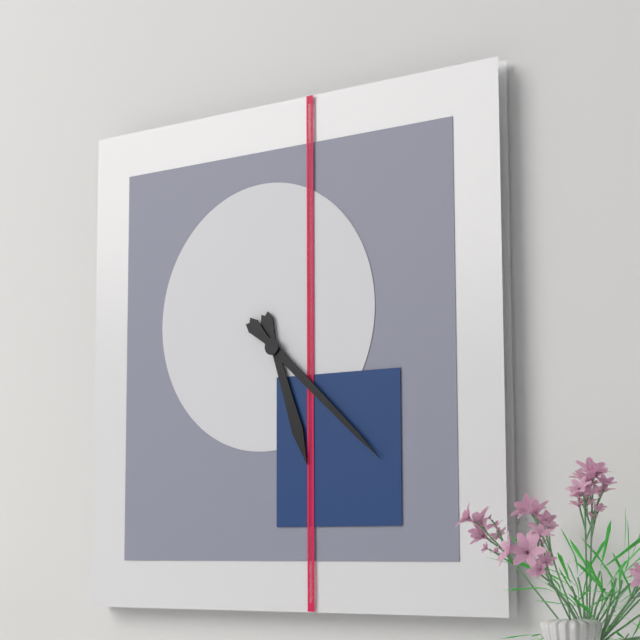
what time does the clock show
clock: 5:22
